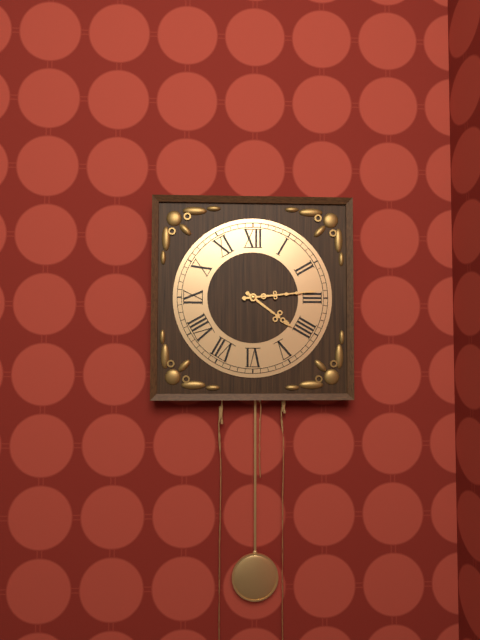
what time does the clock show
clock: 4:14
